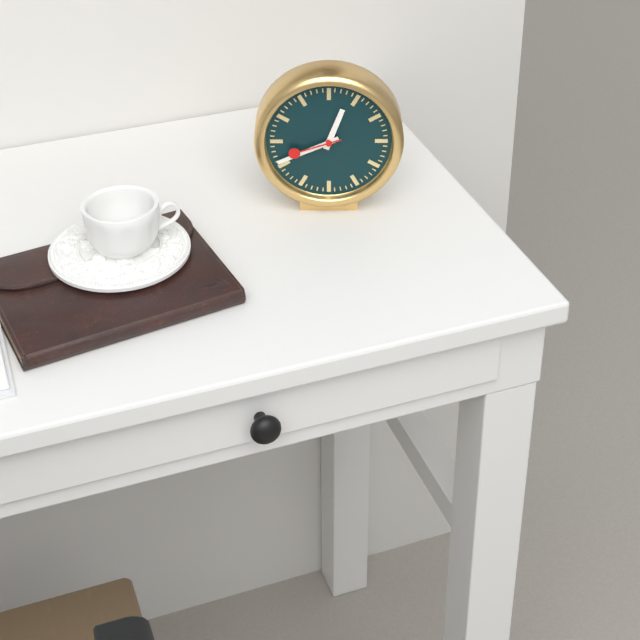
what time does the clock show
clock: 12:41:42
